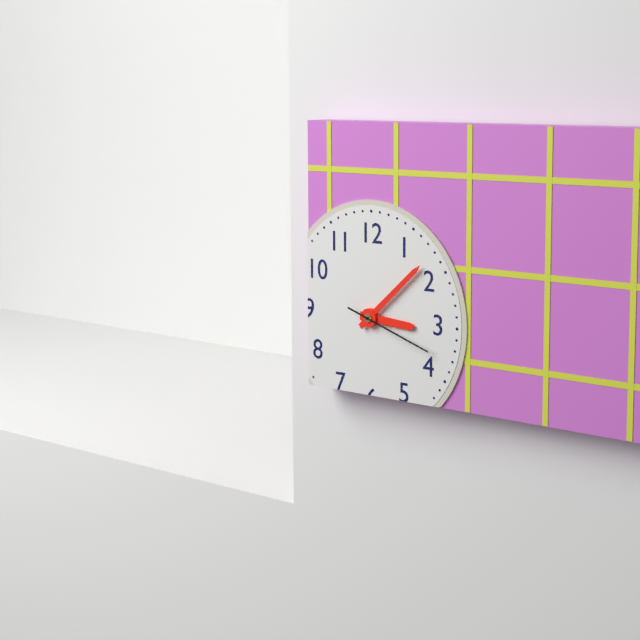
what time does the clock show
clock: 3:08:18
